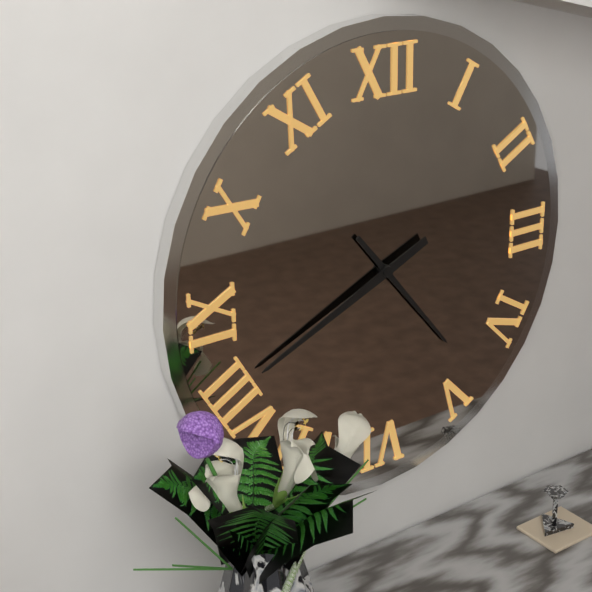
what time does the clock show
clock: 4:41
